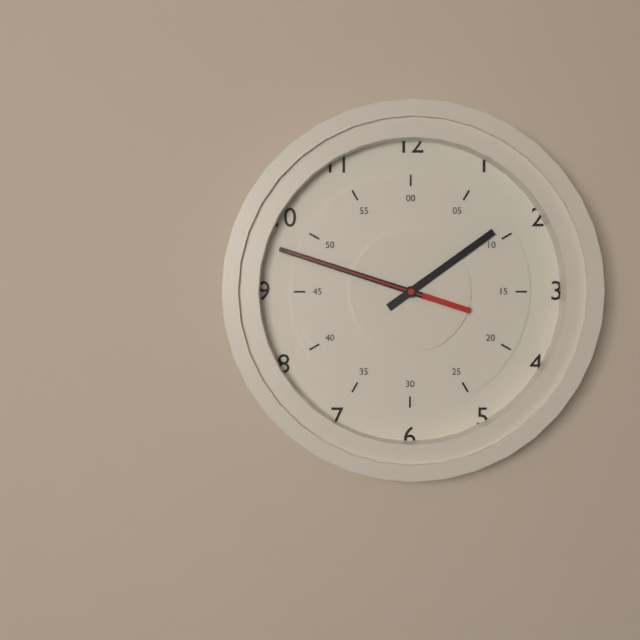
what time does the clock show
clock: 1:48:48
